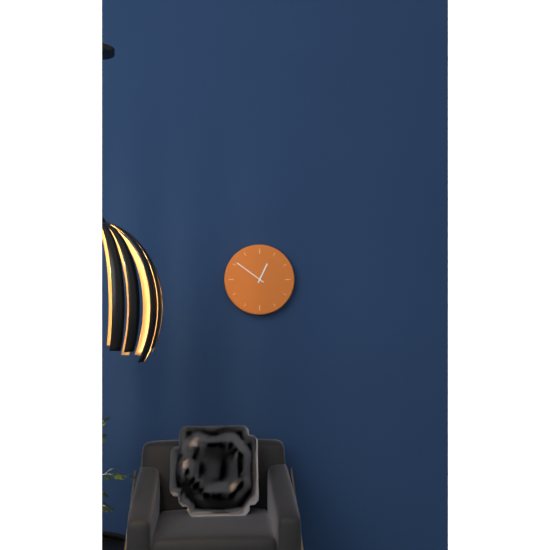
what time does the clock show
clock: 12:51
